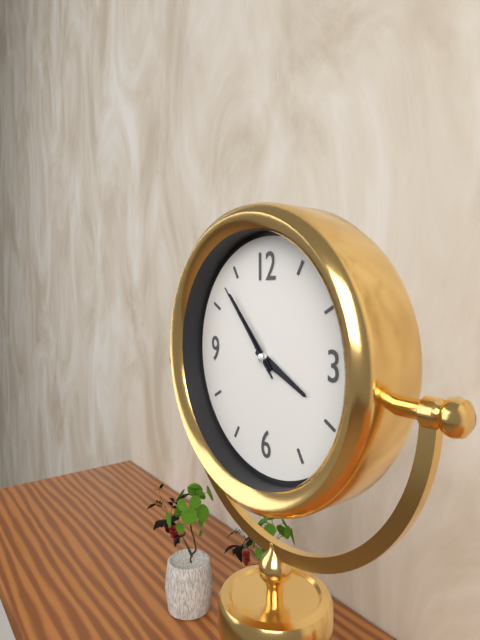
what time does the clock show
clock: 3:53:53
